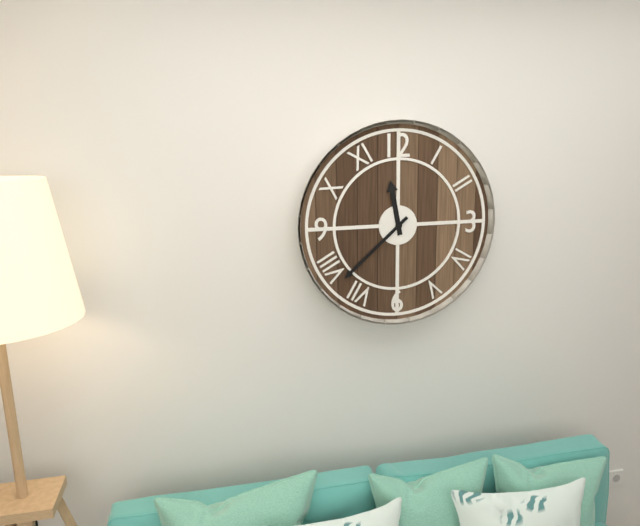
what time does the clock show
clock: 11:38
